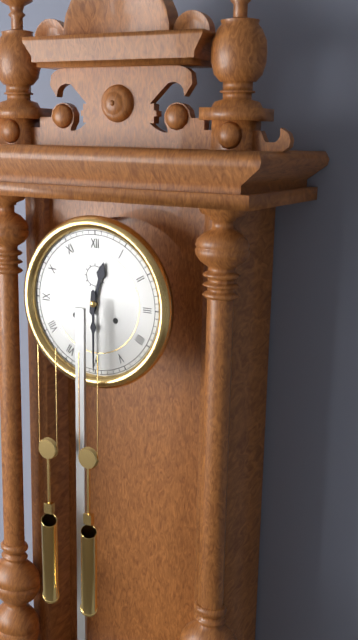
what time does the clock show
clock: 12:30
